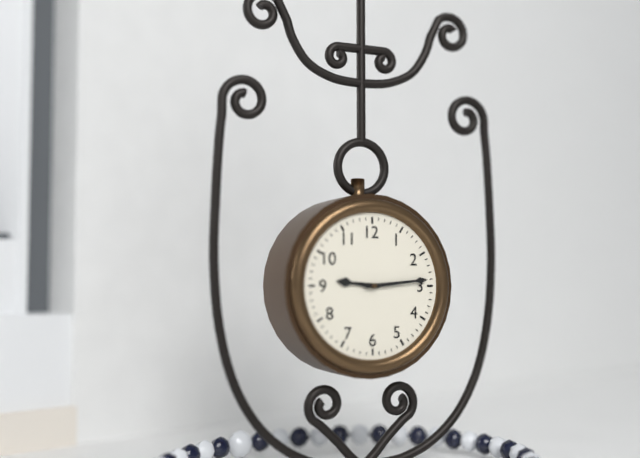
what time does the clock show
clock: 9:14
